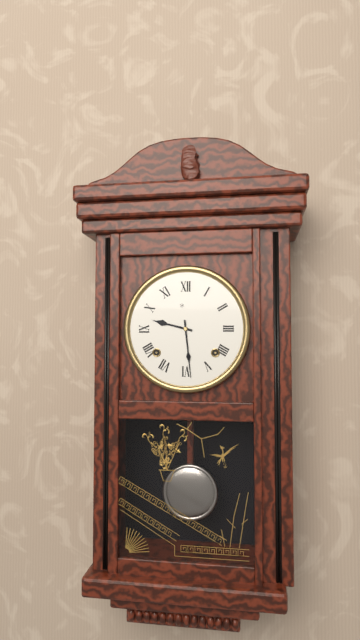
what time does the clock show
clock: 9:29
